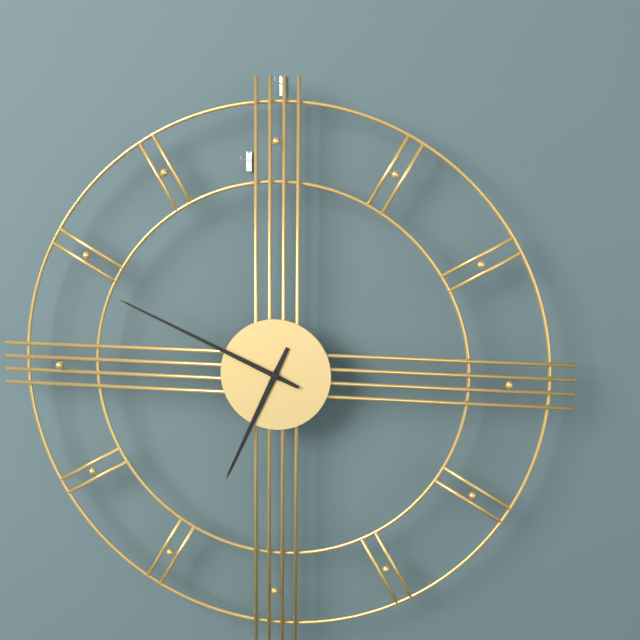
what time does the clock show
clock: 6:49
